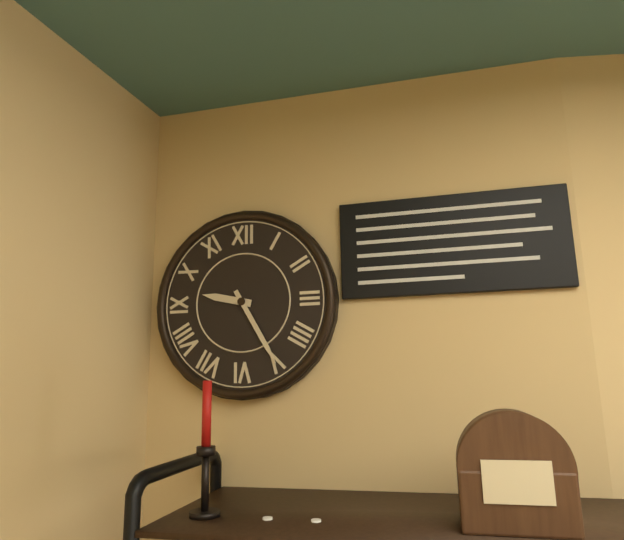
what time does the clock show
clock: 9:25
